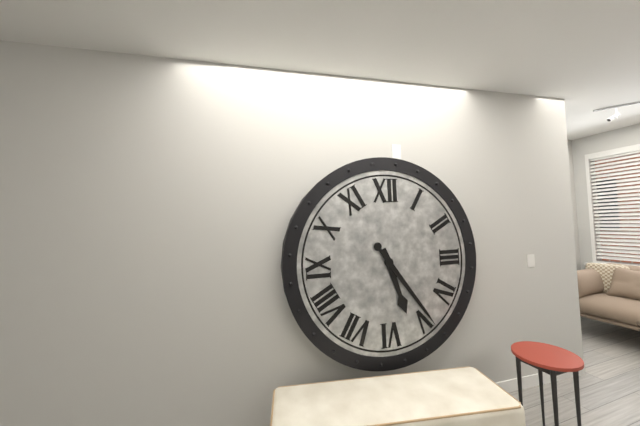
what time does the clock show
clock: 5:24
